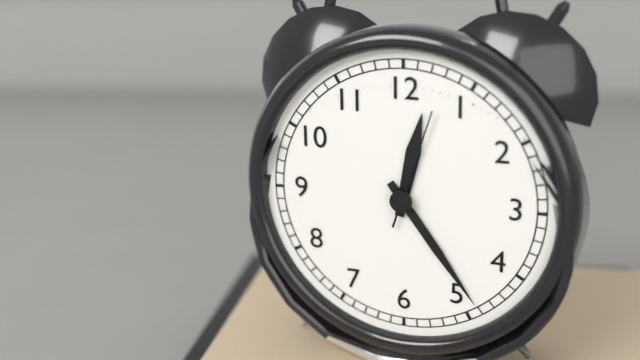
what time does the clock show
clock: 12:24:03
